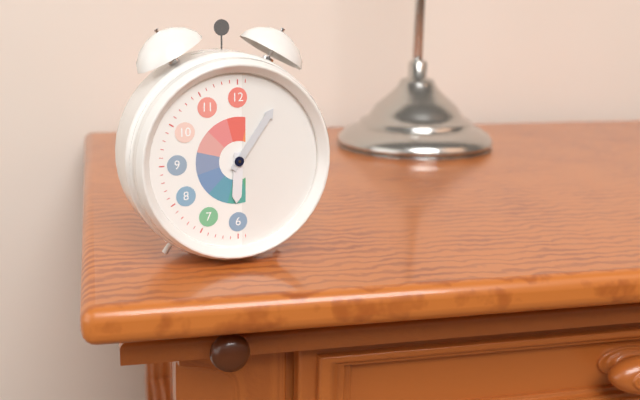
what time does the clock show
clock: 6:06
